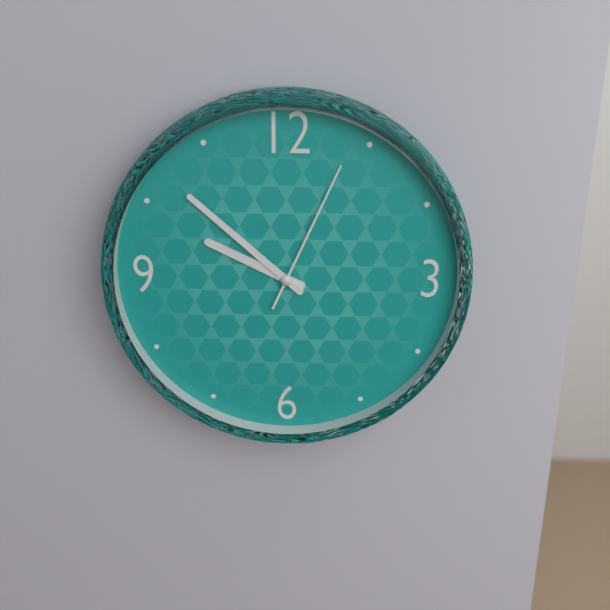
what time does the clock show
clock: 9:52:04
